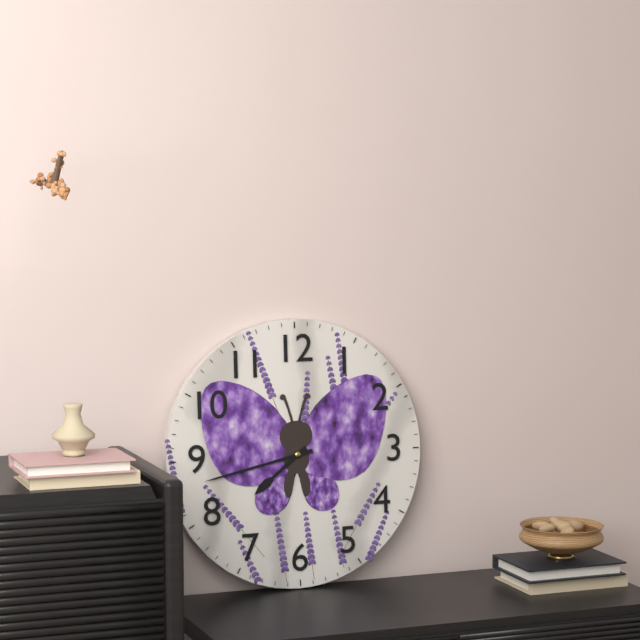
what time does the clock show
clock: 7:43
